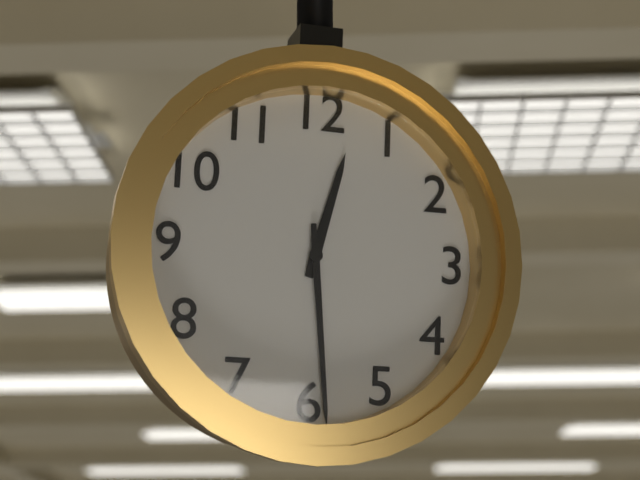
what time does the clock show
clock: 12:29
